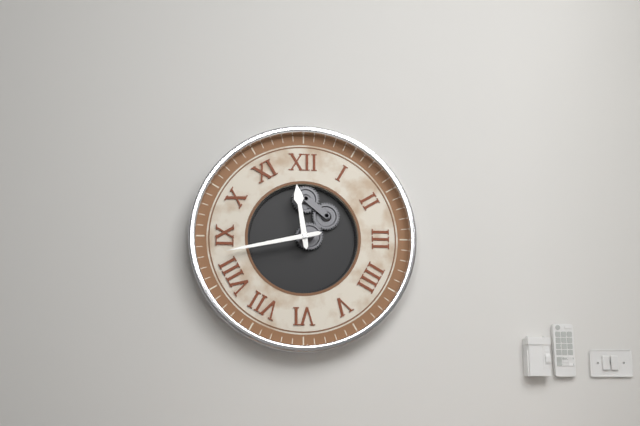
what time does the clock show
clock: 11:43
